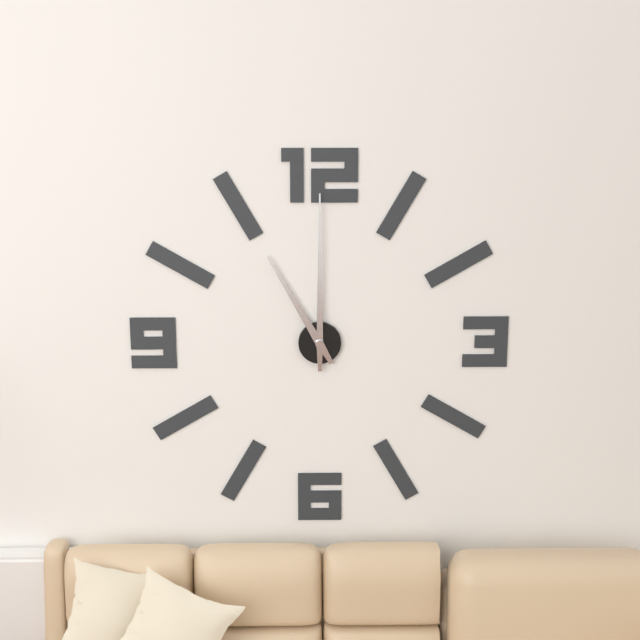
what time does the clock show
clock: 11:00
